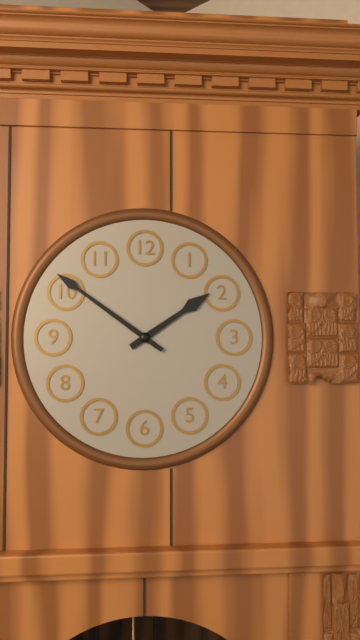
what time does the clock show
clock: 1:51
